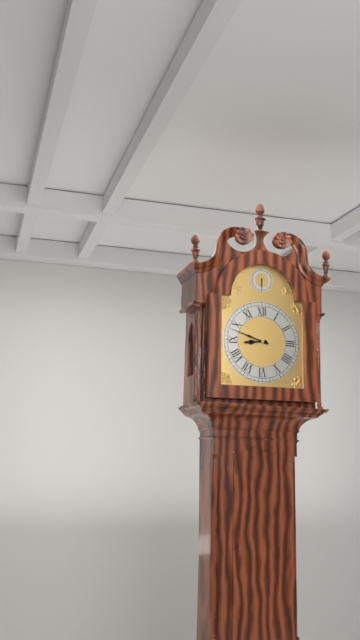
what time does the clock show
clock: 8:48
